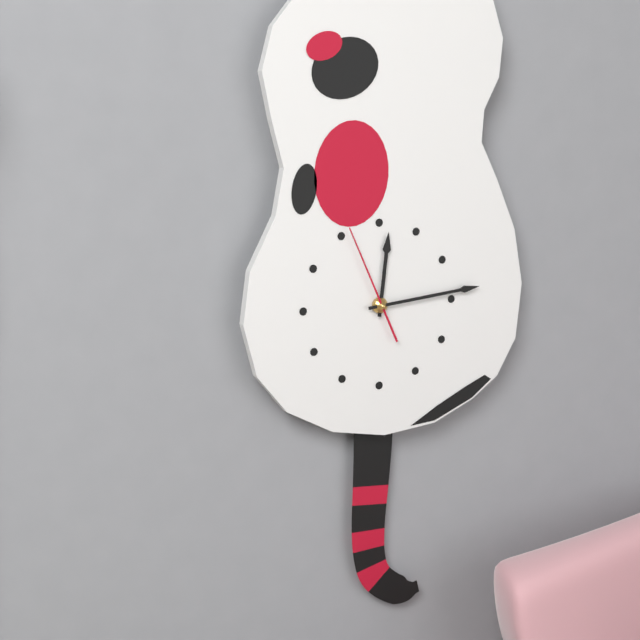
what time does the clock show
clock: 12:14:56
